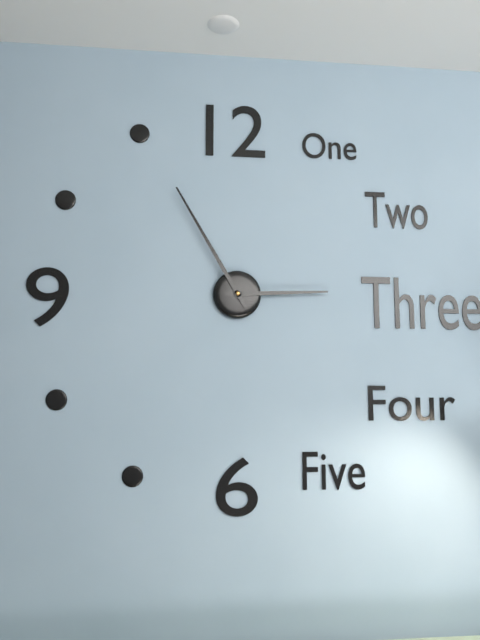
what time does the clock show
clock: 2:55
